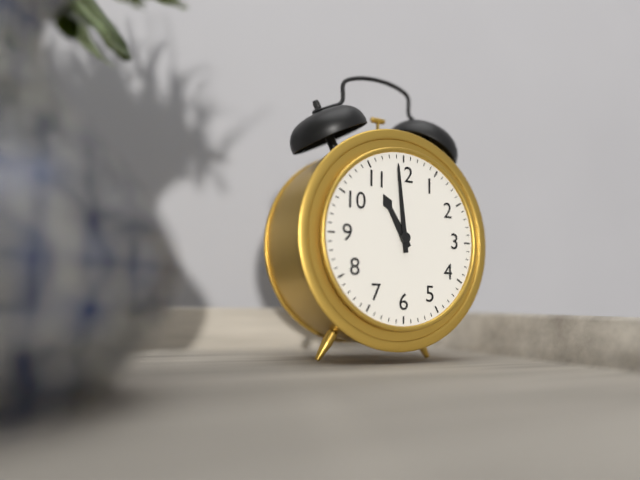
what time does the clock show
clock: 10:59
